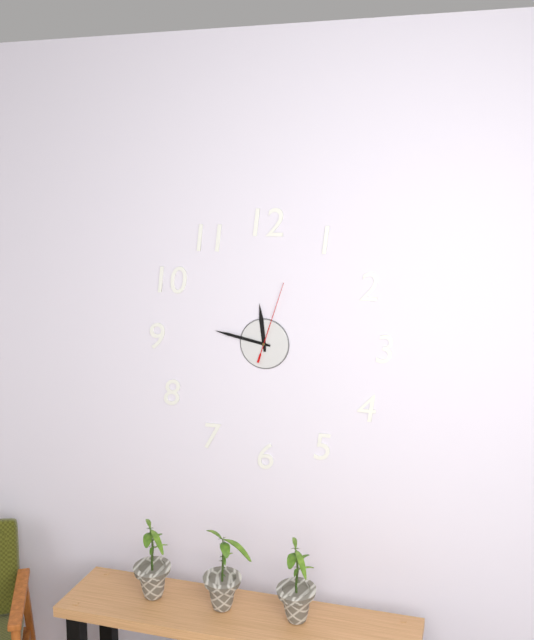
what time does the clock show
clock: 11:47:03
